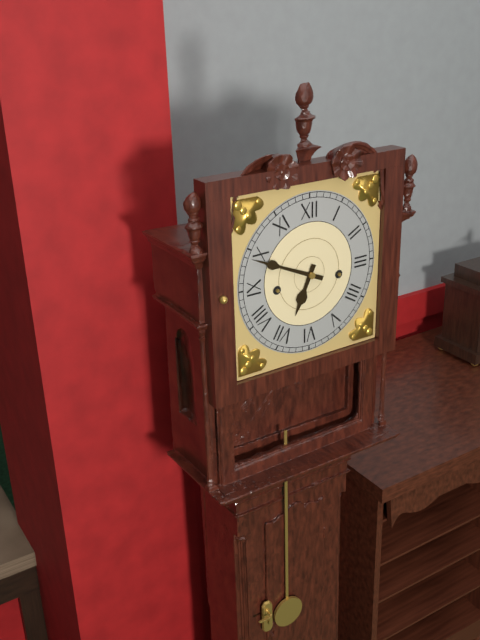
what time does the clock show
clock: 6:49
